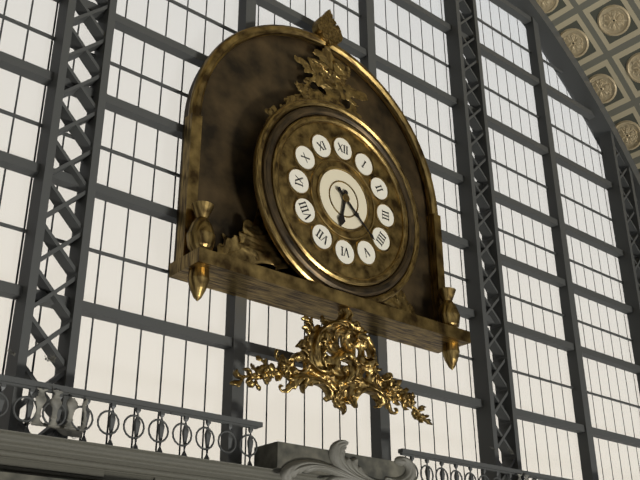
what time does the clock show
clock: 6:22
